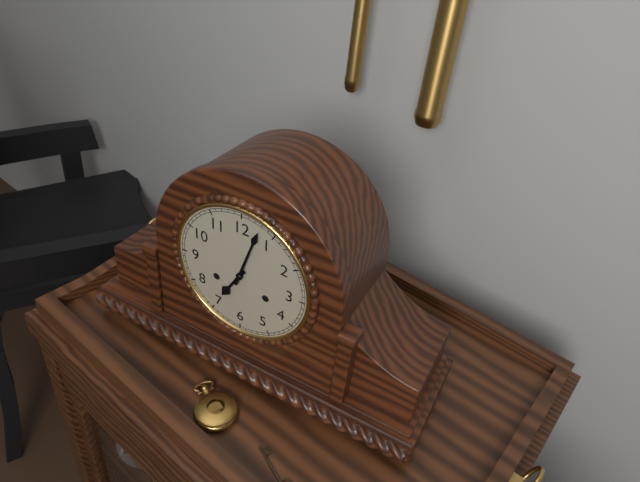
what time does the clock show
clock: 7:03
